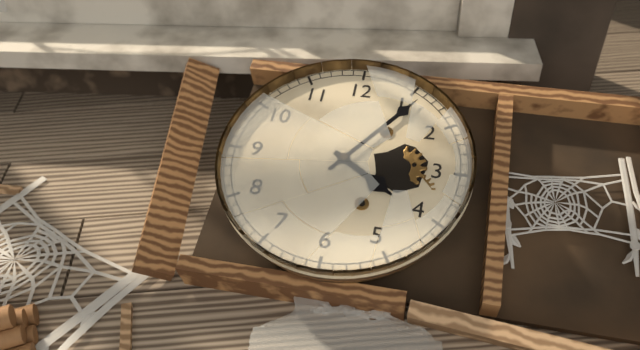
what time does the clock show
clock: 4:06
